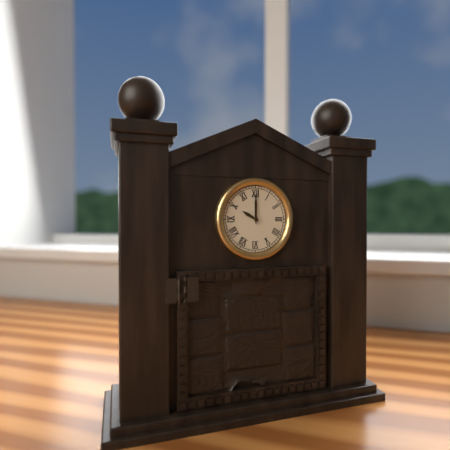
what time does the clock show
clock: 10:00
